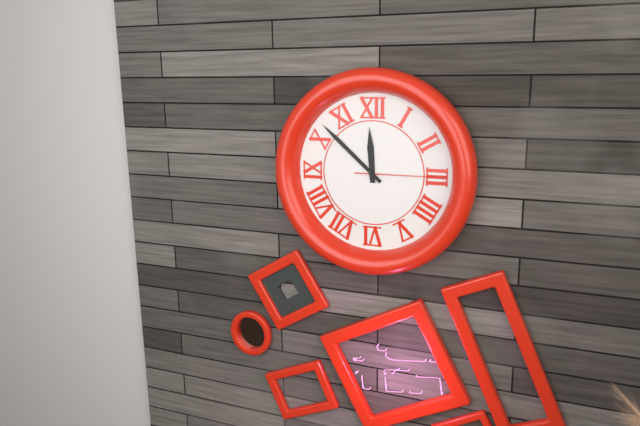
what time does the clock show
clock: 11:52:15
